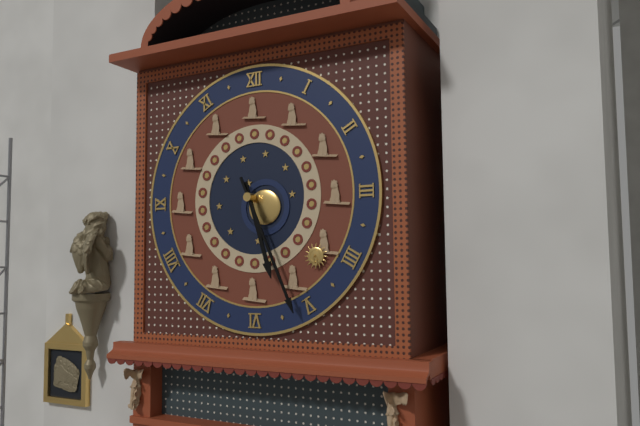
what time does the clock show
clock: 5:26
